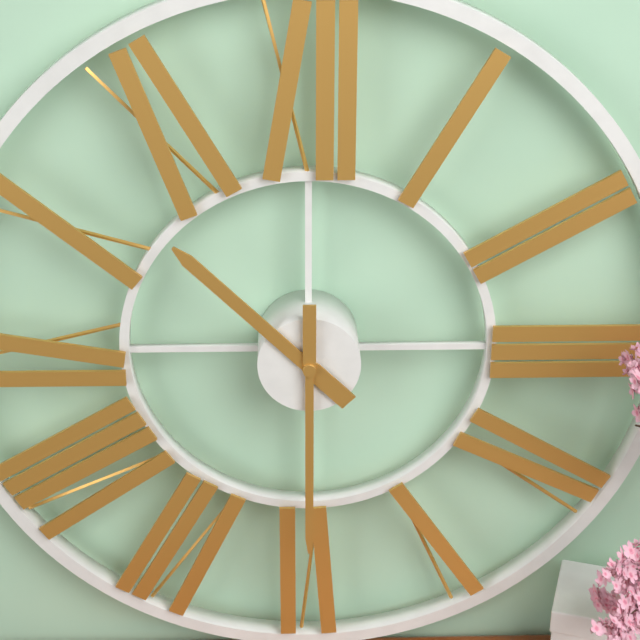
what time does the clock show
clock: 10:30
